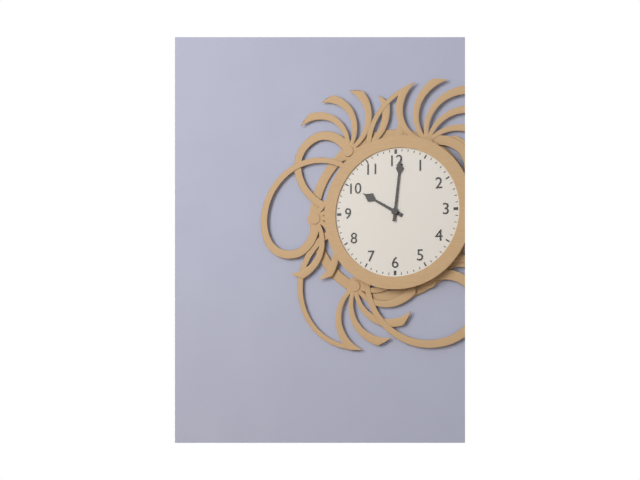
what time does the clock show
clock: 10:01
